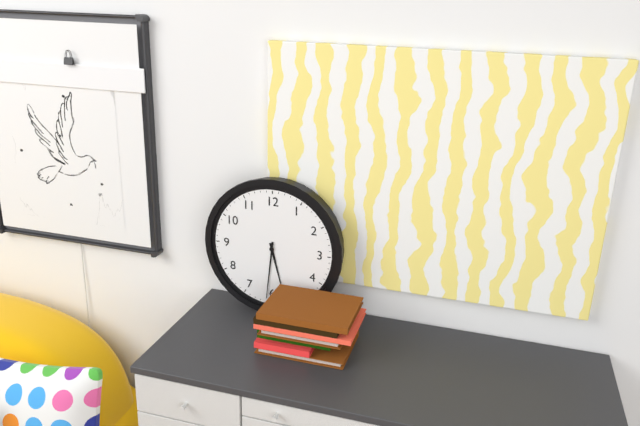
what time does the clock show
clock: 5:31
